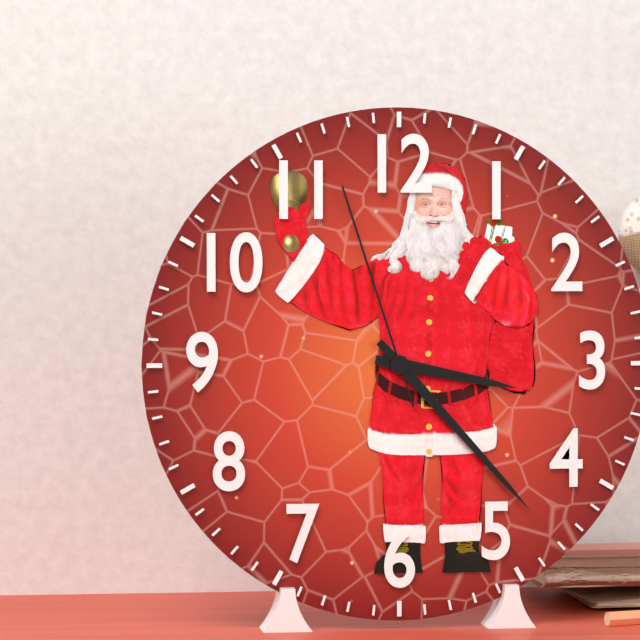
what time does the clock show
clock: 3:23:57
